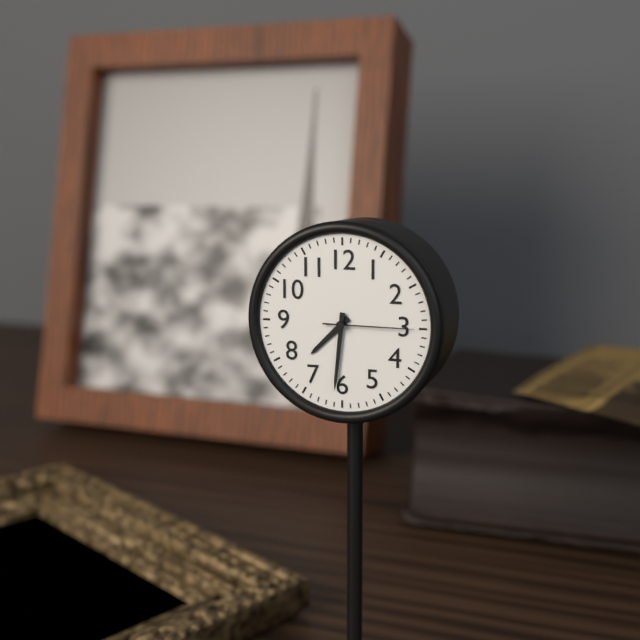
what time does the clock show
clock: 7:31:15
